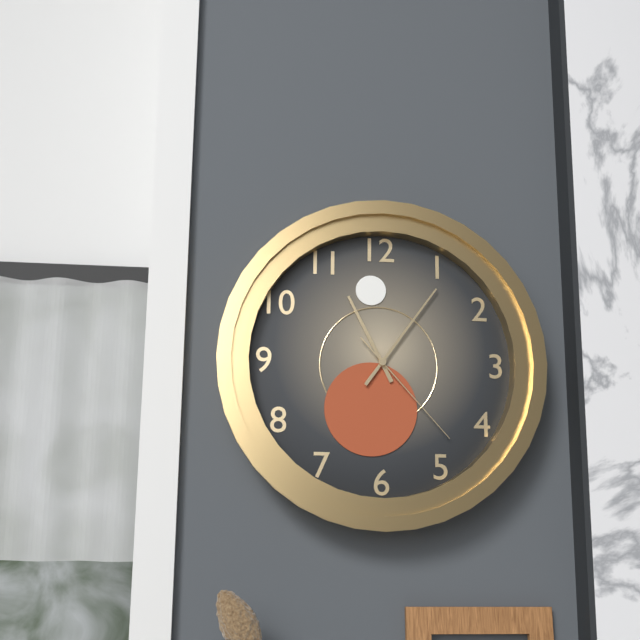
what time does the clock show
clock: 11:06:23
